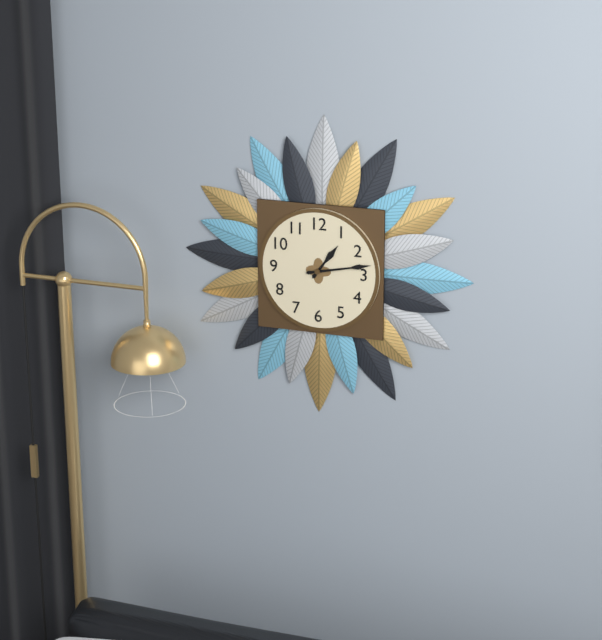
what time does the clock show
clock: 1:13
